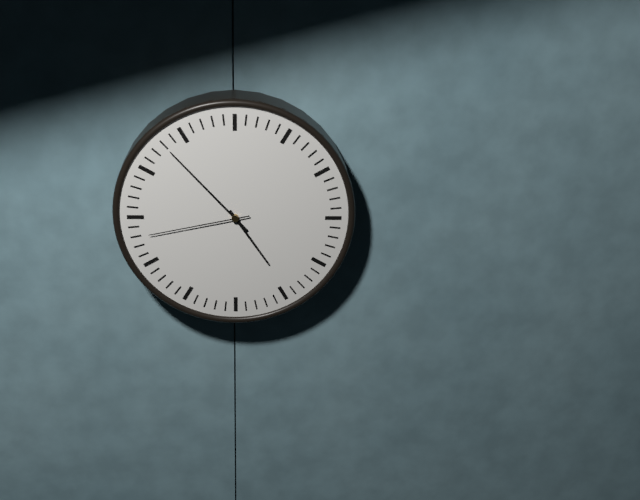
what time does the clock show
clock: 4:53:43
